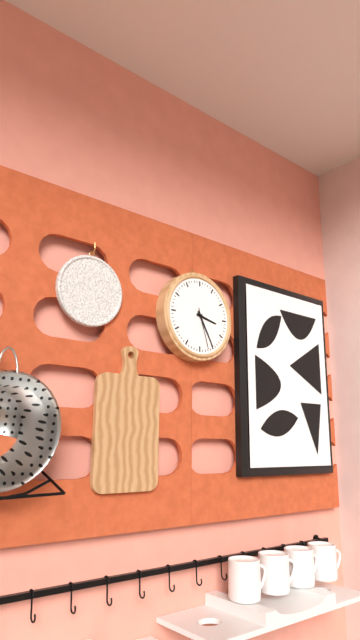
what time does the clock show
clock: 3:25
